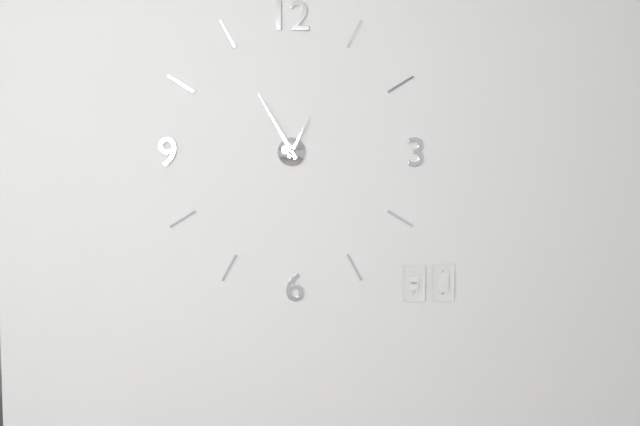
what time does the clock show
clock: 12:55
